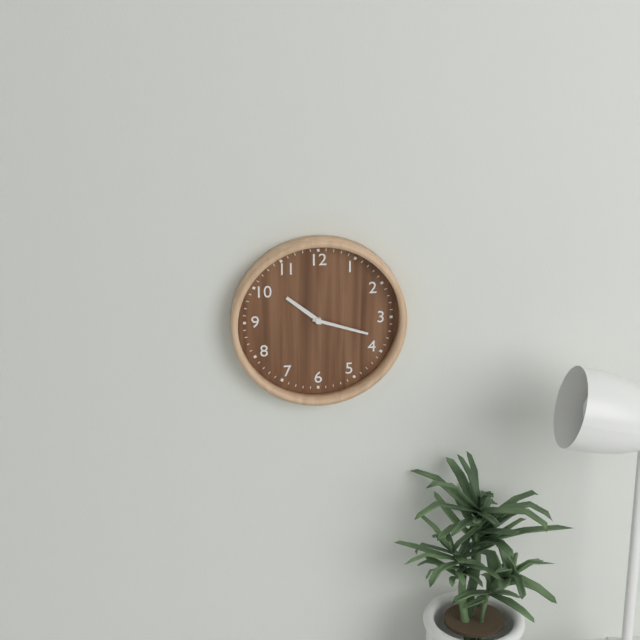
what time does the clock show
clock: 10:18
